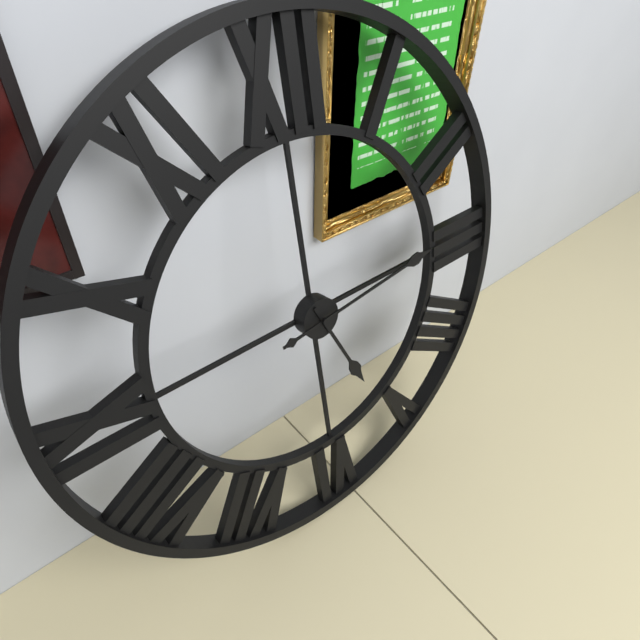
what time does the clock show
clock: 5:14
